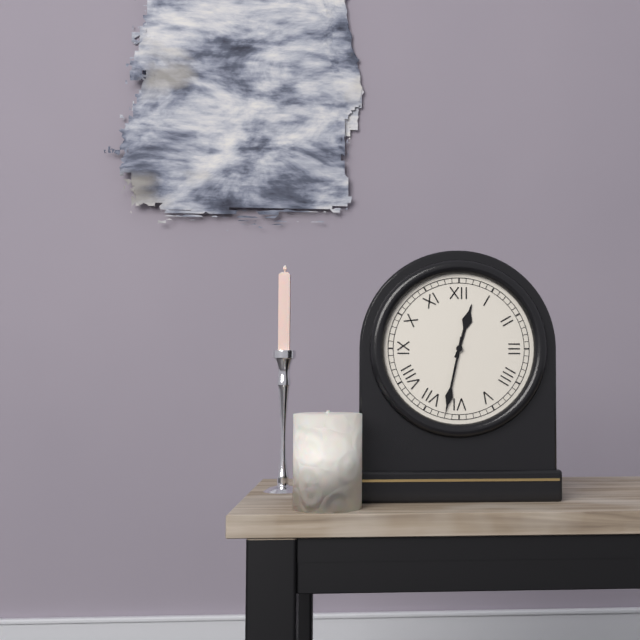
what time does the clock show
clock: 12:32
